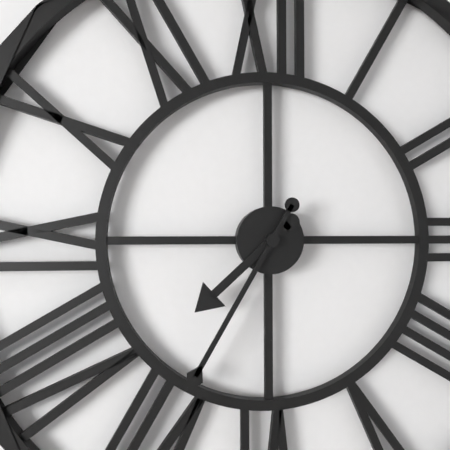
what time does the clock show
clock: 7:35
